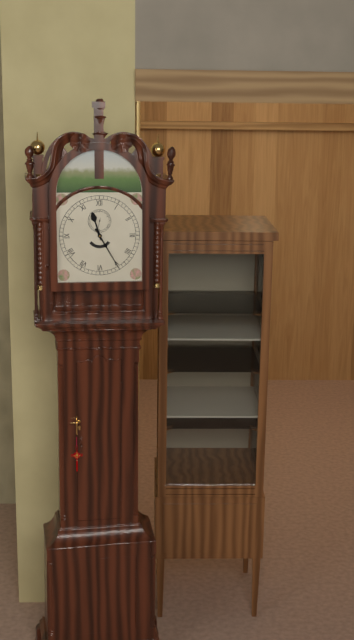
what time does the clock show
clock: 11:25
